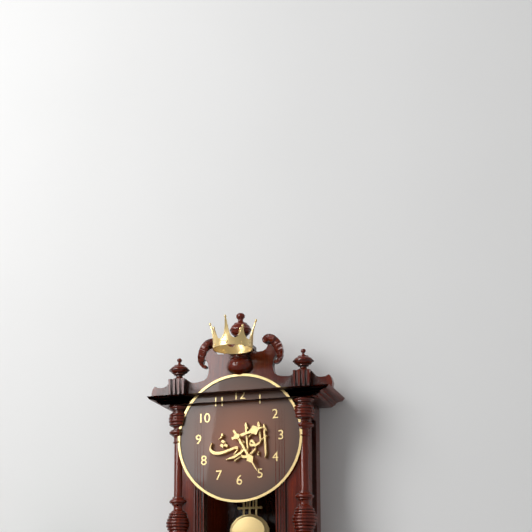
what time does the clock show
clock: 2:25
